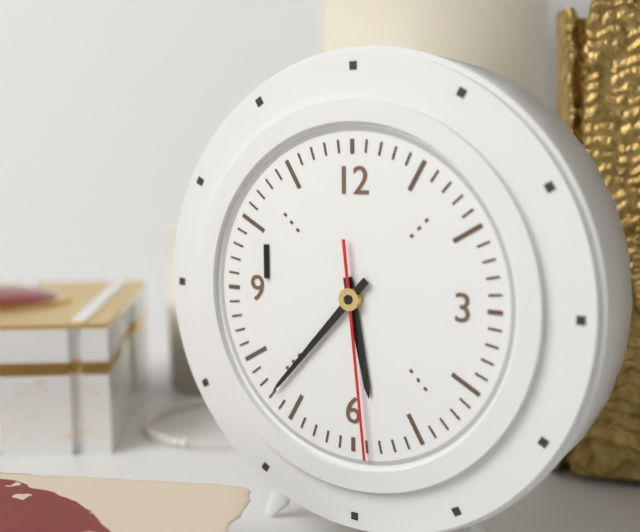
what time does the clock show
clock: 5:37:29
